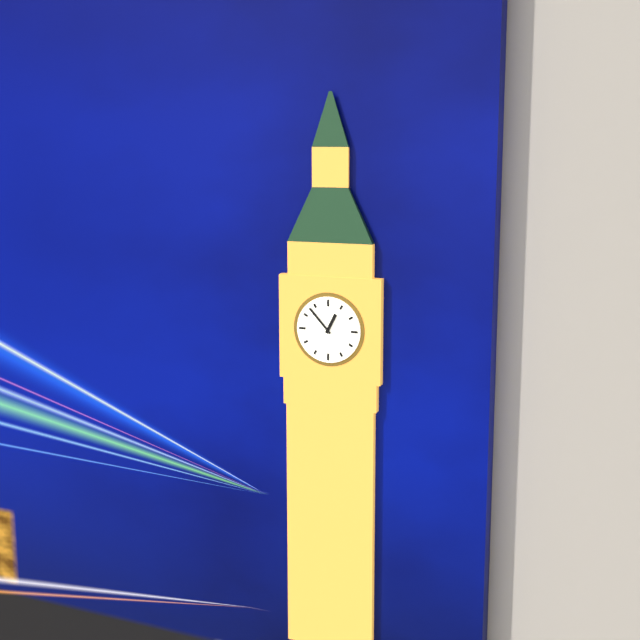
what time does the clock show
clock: 12:53
